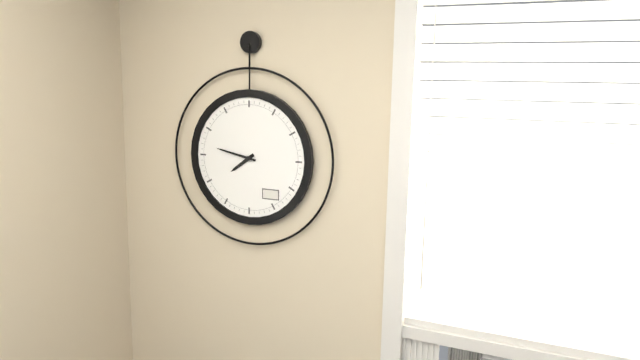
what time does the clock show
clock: 7:47
